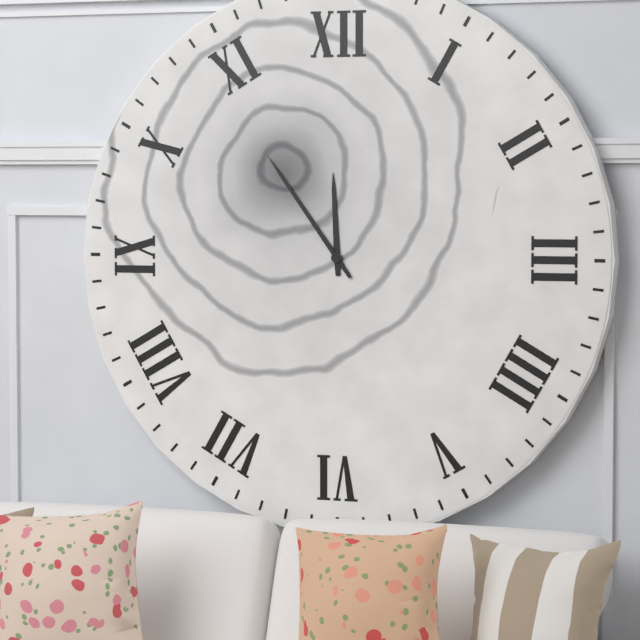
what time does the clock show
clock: 11:54
